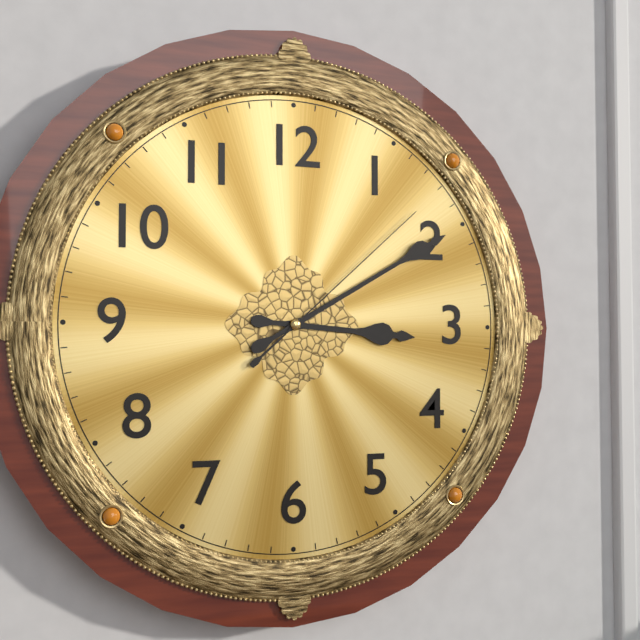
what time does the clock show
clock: 3:10:08
